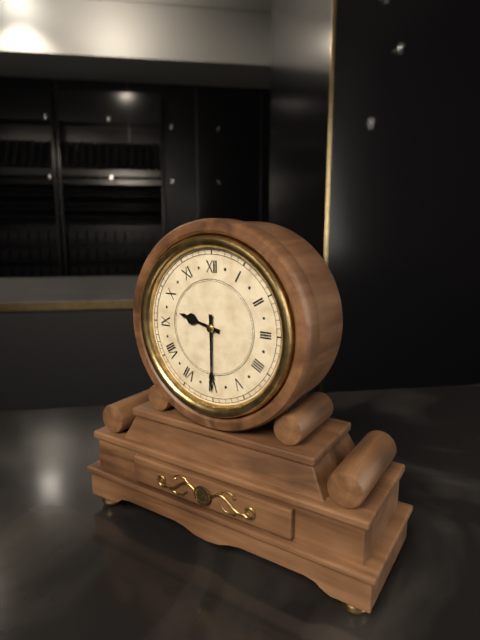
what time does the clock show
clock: 9:30
